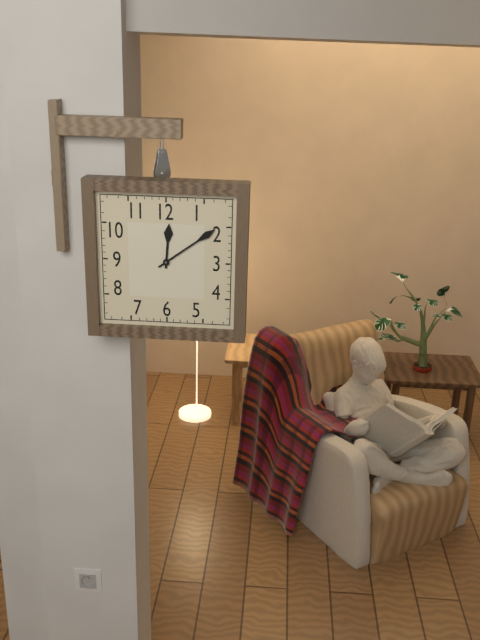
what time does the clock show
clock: 12:09
